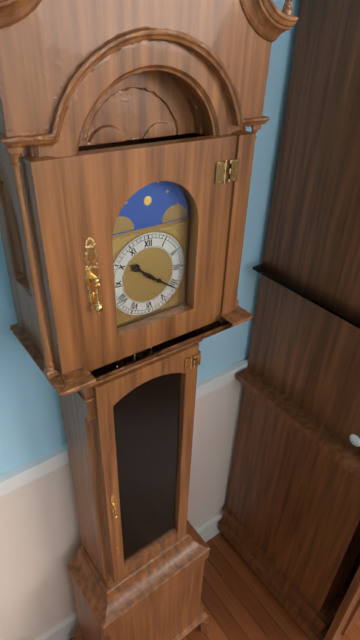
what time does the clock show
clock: 10:21
